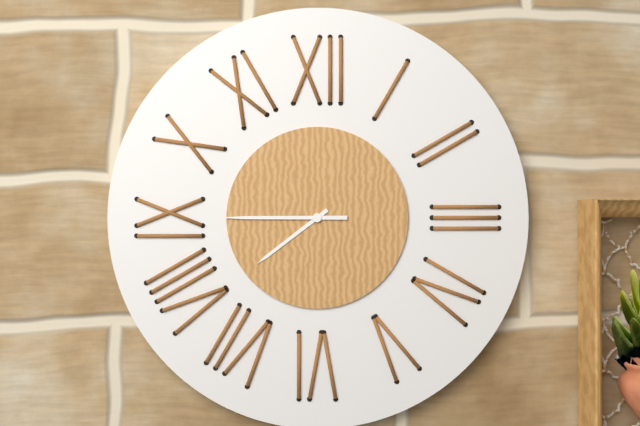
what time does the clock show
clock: 7:45
